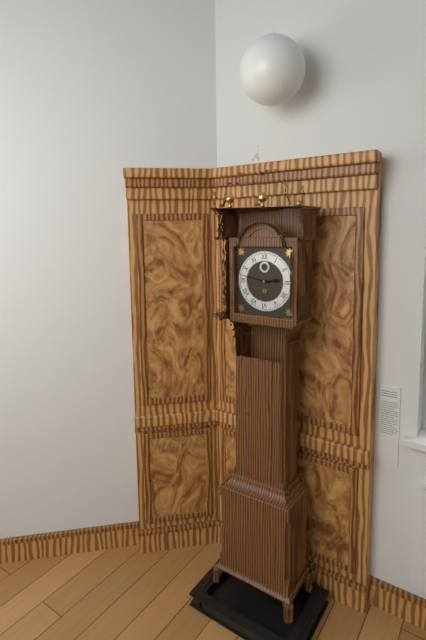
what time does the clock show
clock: 2:47
